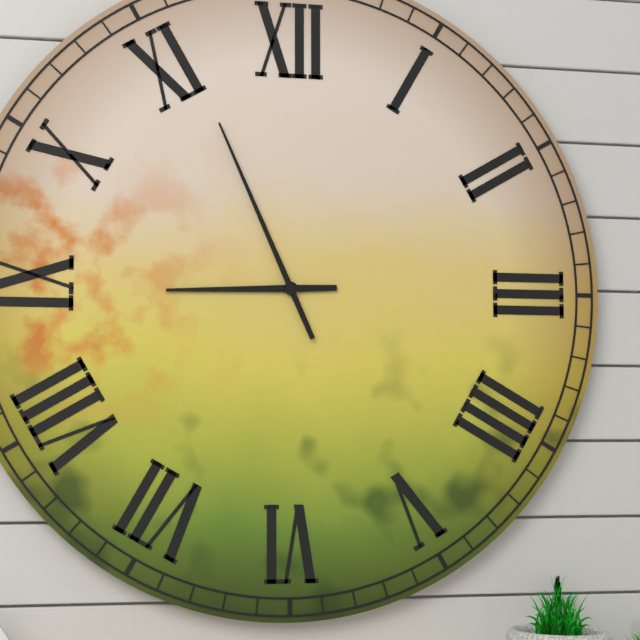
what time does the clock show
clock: 8:56
